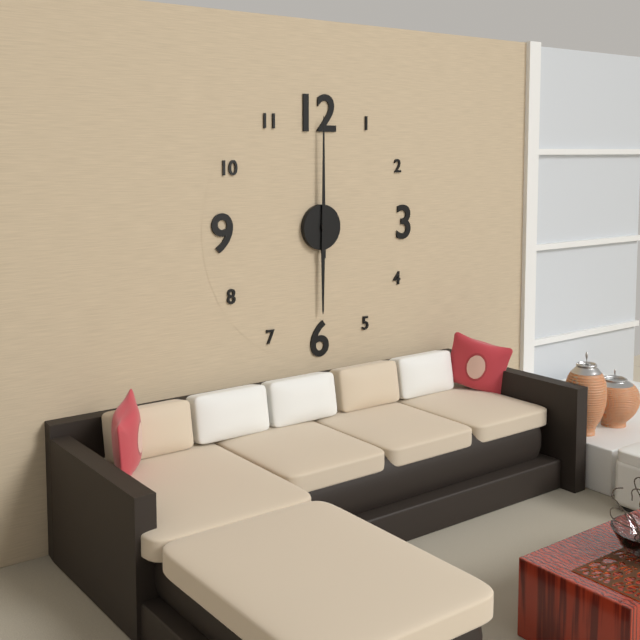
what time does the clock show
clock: 6:00
